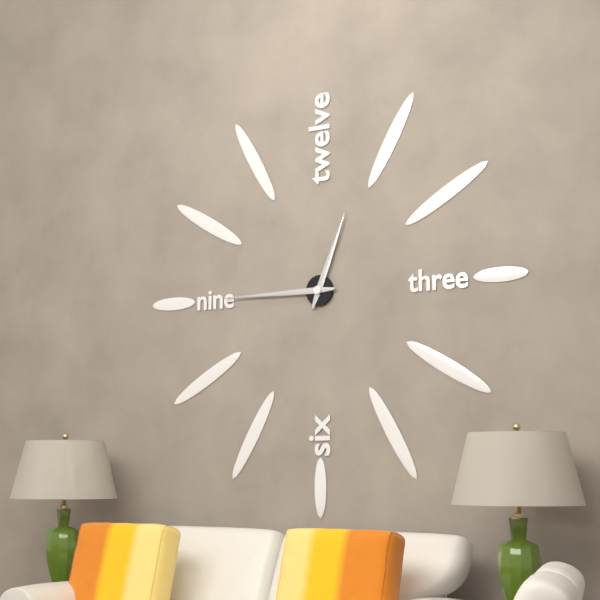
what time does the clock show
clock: 12:45
